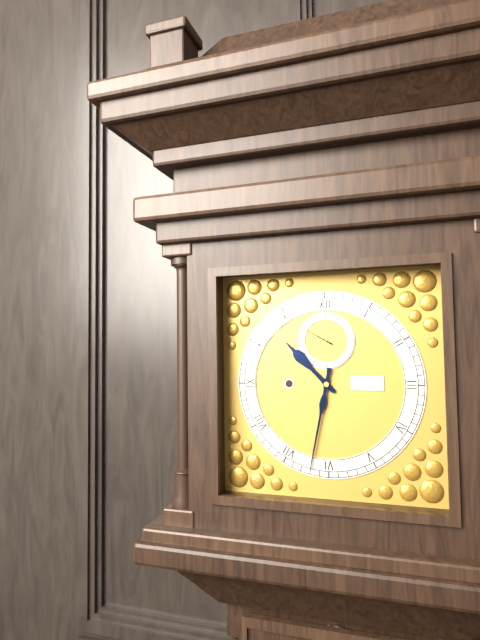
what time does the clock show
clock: 10:32
